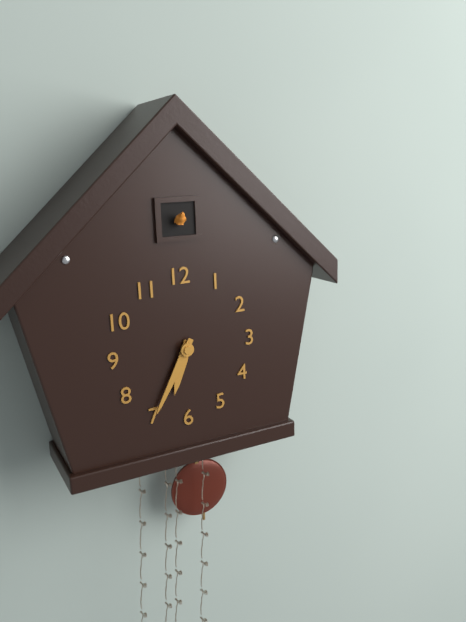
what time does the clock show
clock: 6:35
